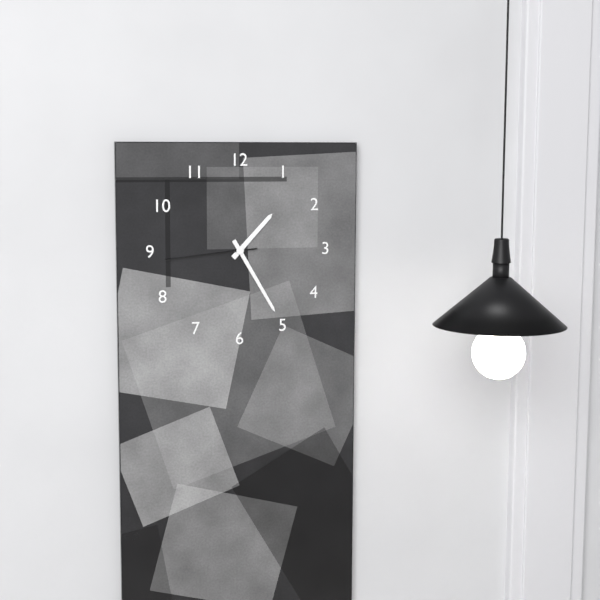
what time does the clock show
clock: 1:25:44
